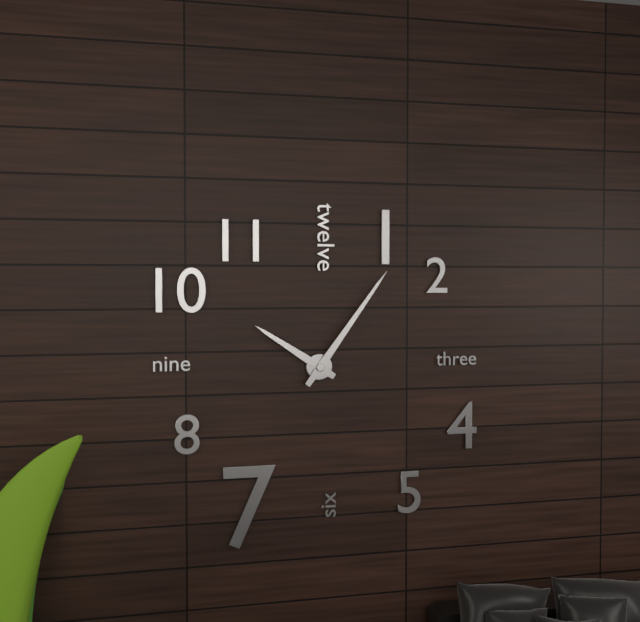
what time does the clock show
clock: 10:06
